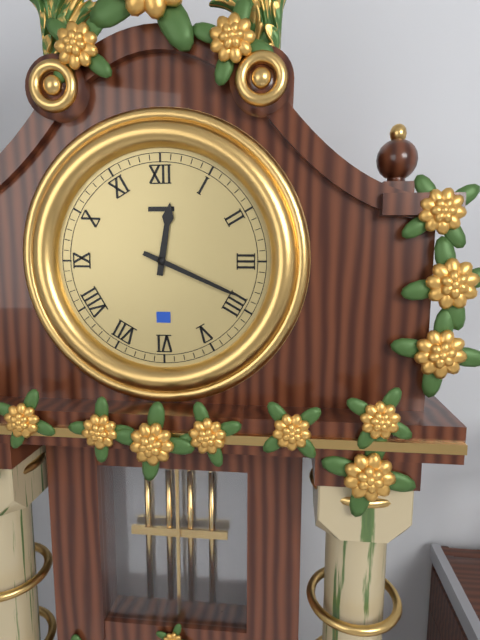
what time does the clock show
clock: 12:19
